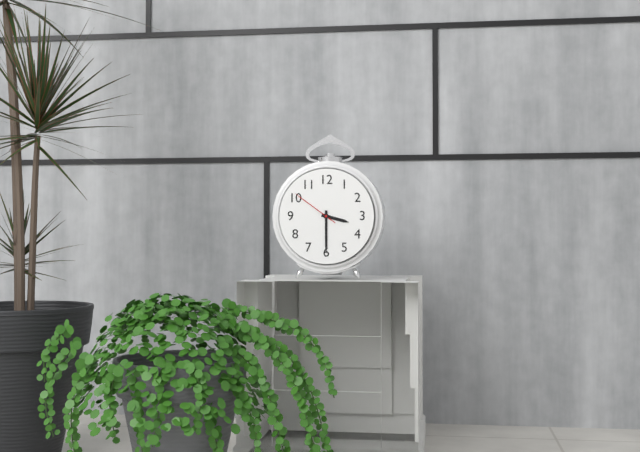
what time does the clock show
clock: 3:30
